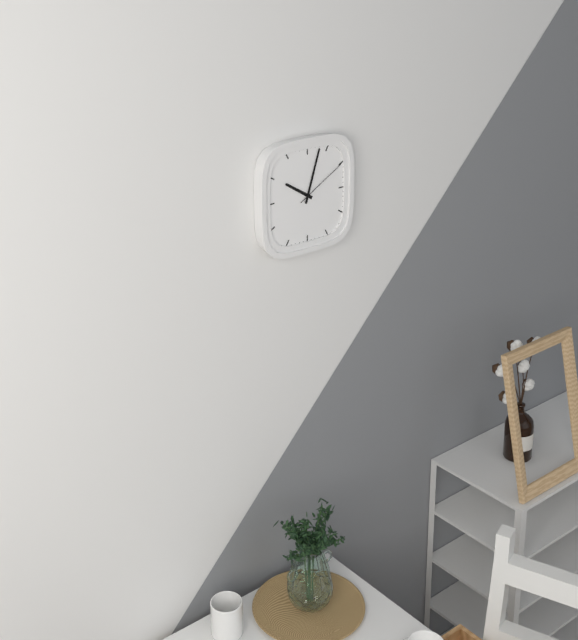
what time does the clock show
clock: 10:03:10
